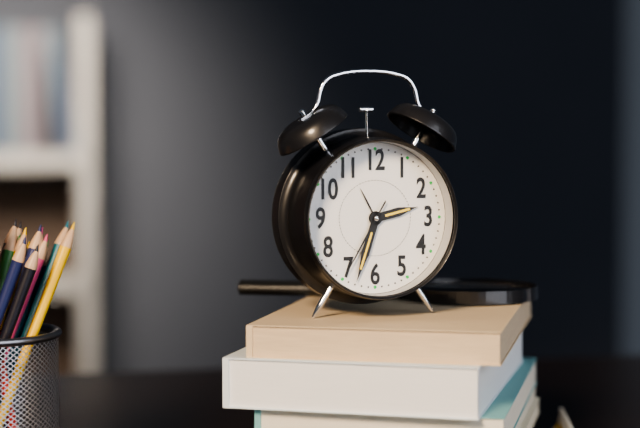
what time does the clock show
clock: 2:33:35
